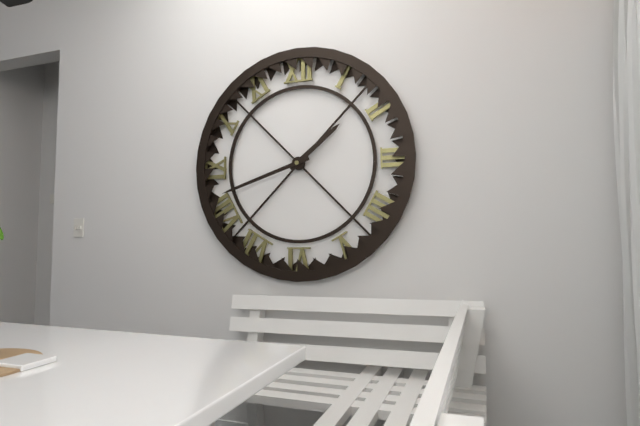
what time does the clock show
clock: 1:42
